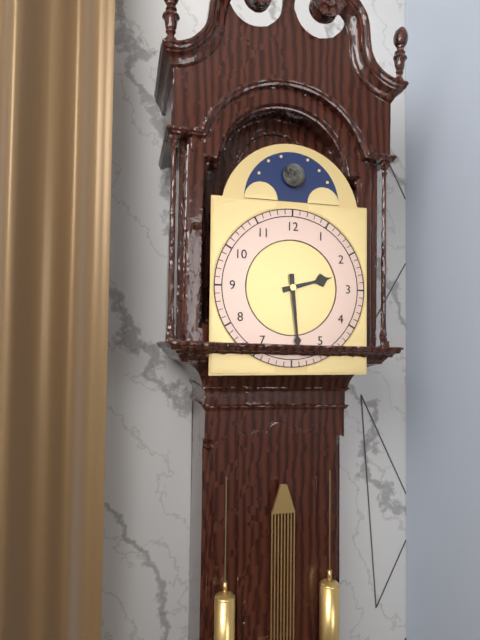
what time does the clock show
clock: 2:29
